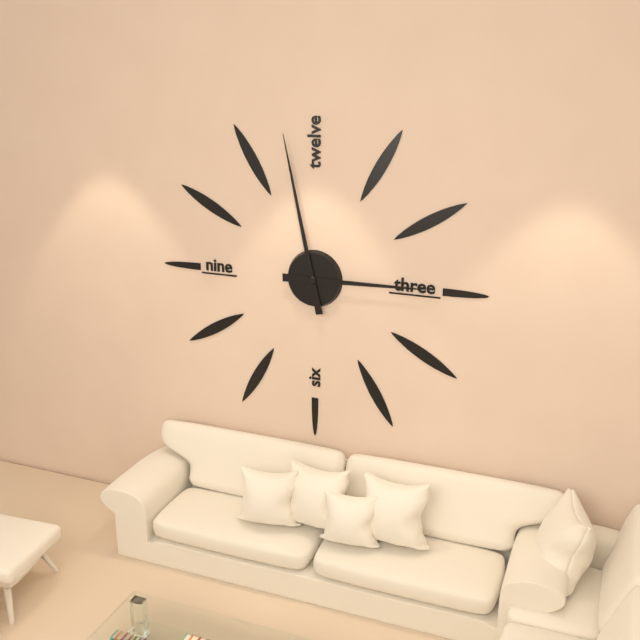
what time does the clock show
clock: 2:58
